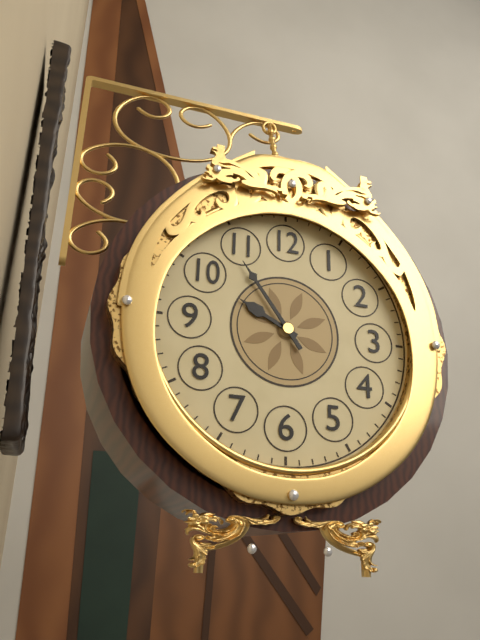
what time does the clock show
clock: 9:54
